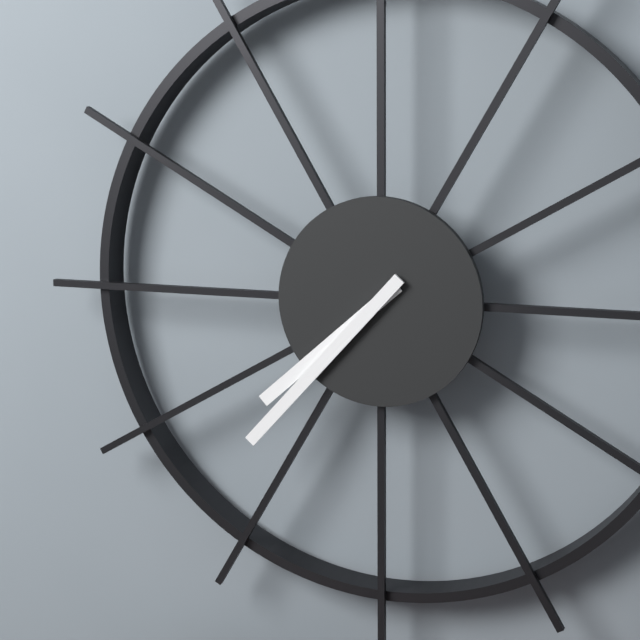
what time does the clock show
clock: 7:37
